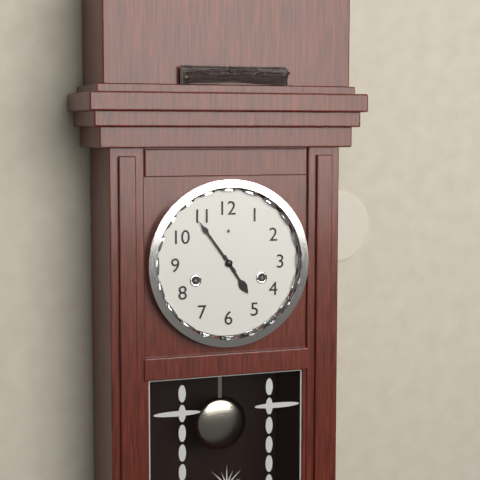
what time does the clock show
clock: 4:54
